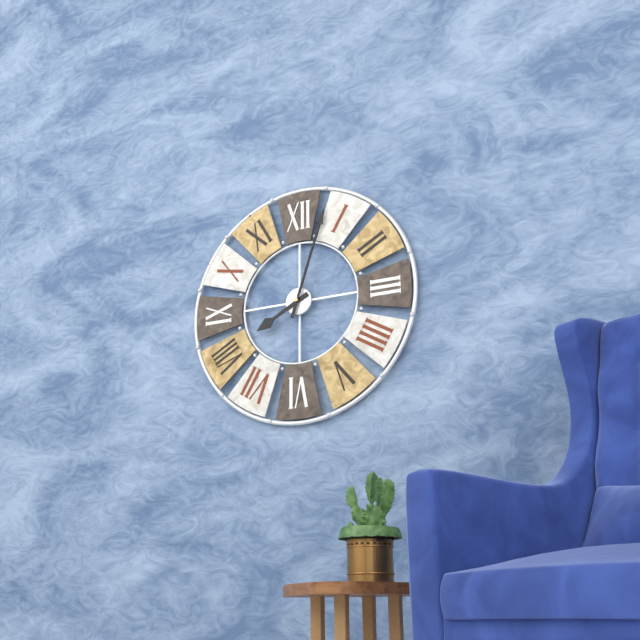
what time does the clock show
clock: 8:03
